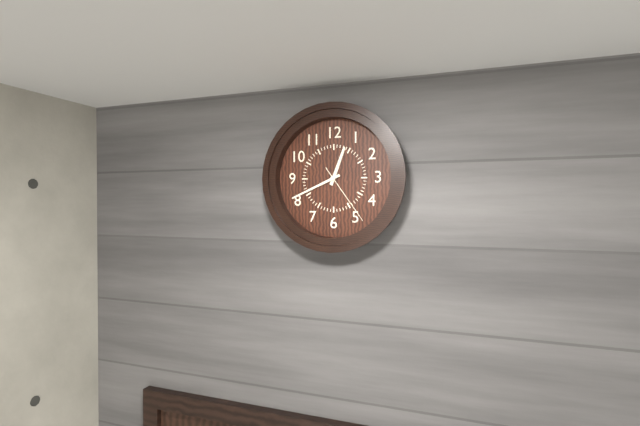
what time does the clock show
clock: 12:41:24
